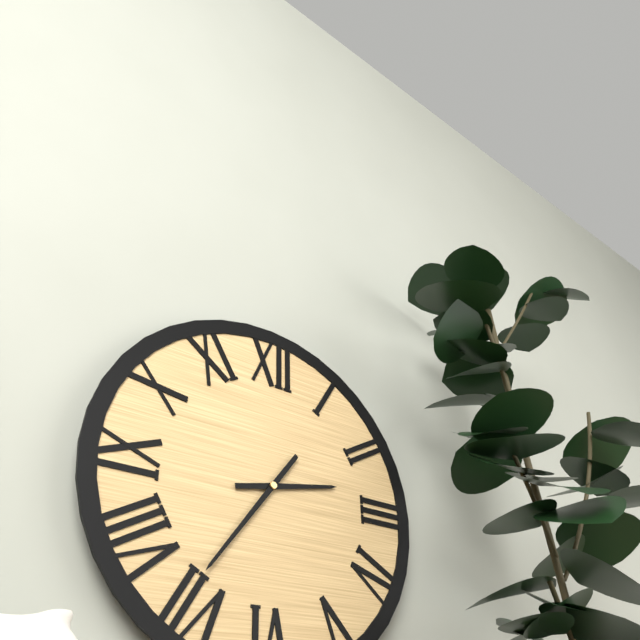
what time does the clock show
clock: 2:36
